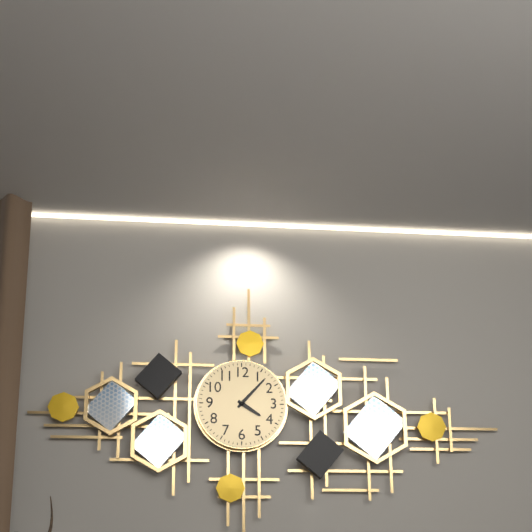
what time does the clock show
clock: 4:07
